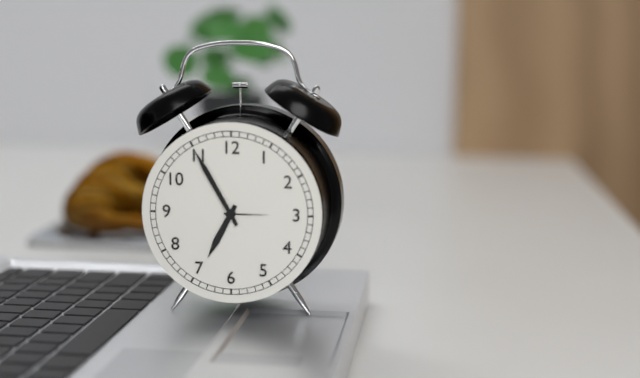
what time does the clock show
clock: 6:55
